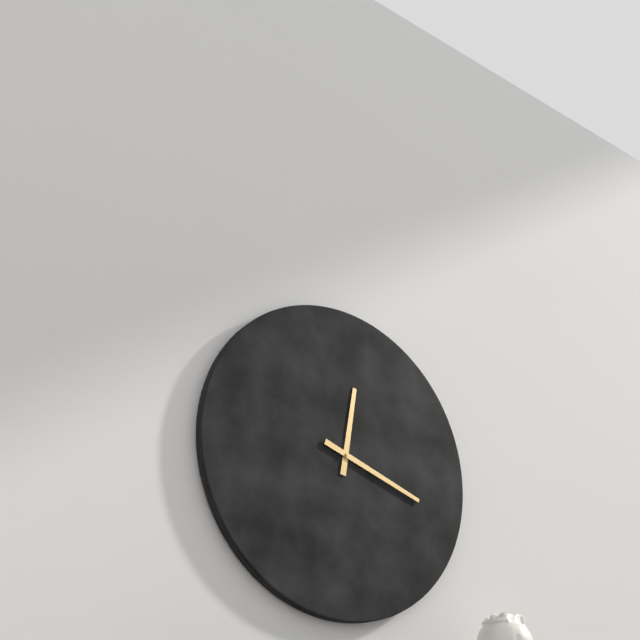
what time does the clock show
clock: 12:18
